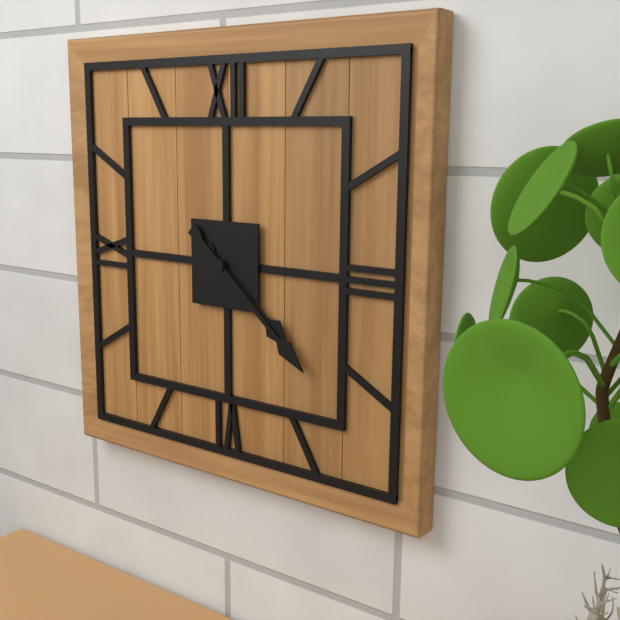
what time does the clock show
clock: 4:22
